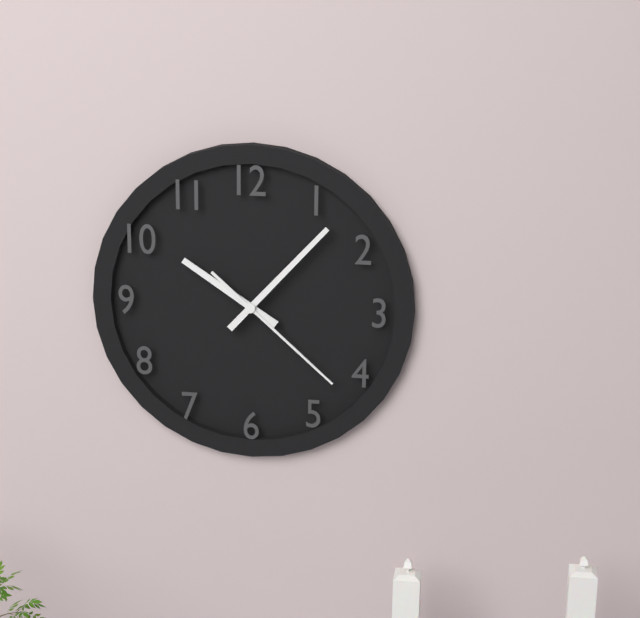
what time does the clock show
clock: 10:07:22
